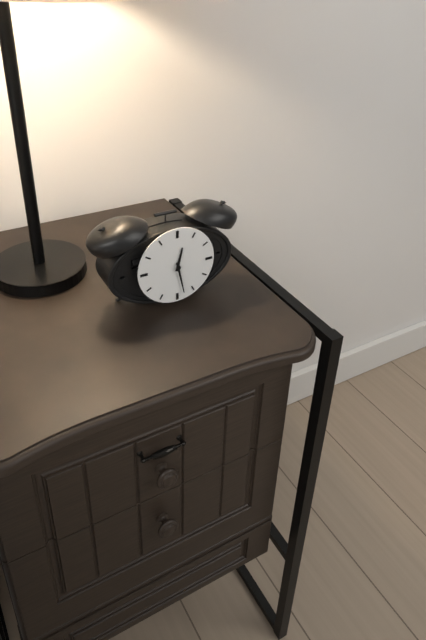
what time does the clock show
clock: 12:28
